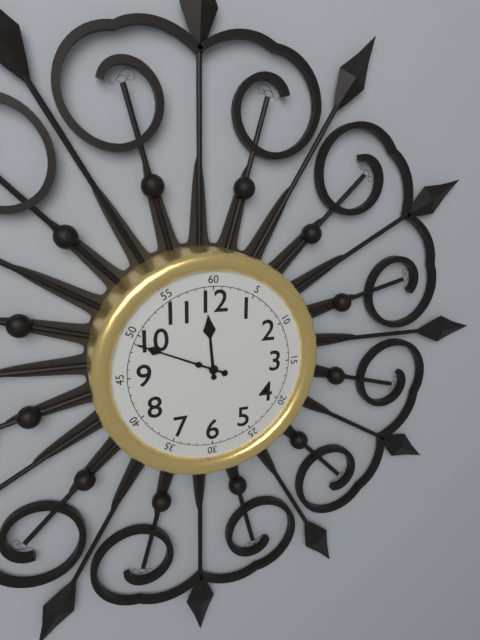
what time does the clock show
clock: 11:49
